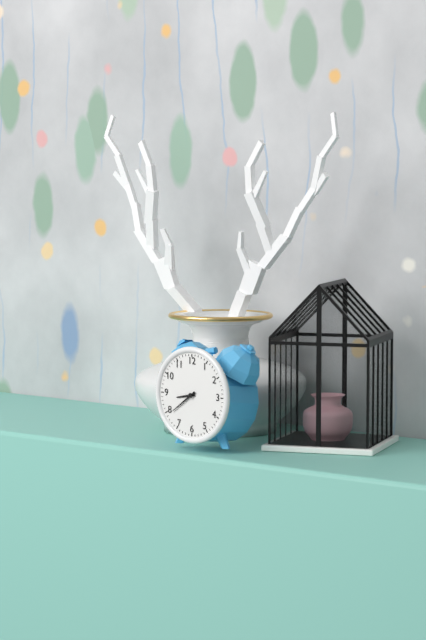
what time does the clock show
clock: 8:39
